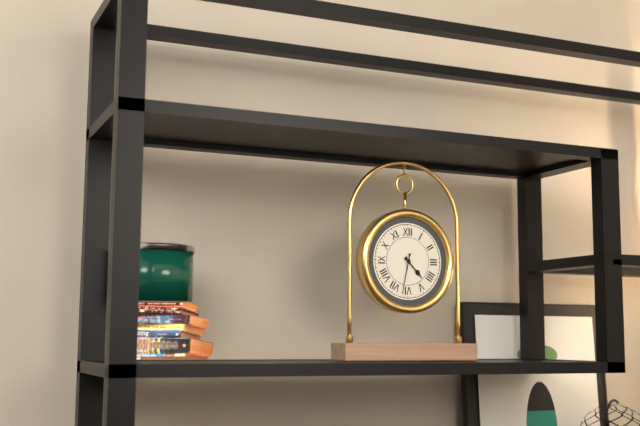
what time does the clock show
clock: 4:32
